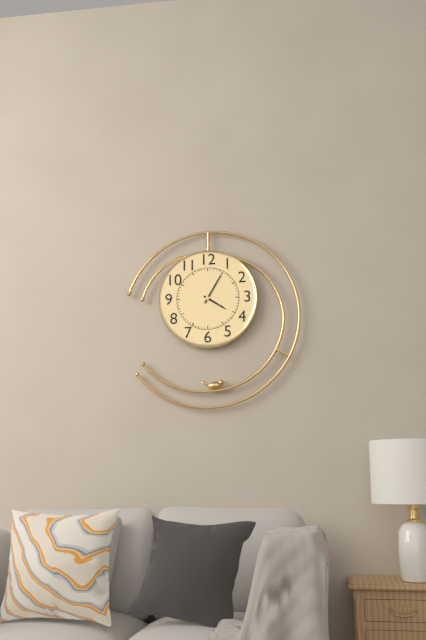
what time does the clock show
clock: 4:05
